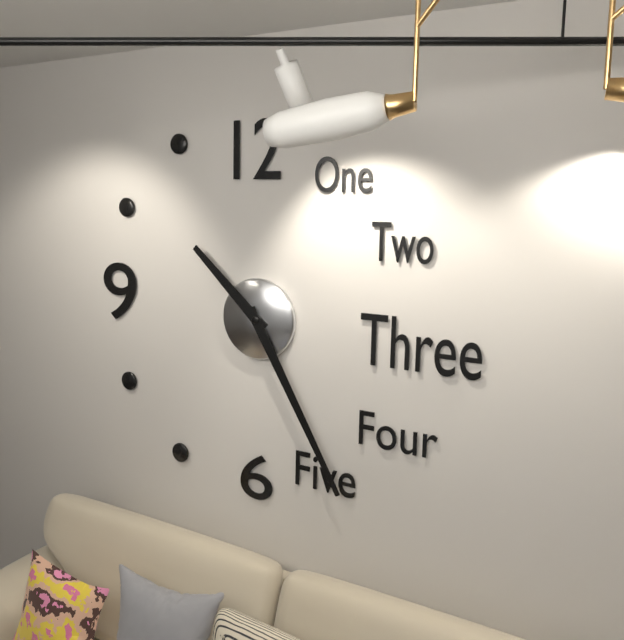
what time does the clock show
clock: 10:25
